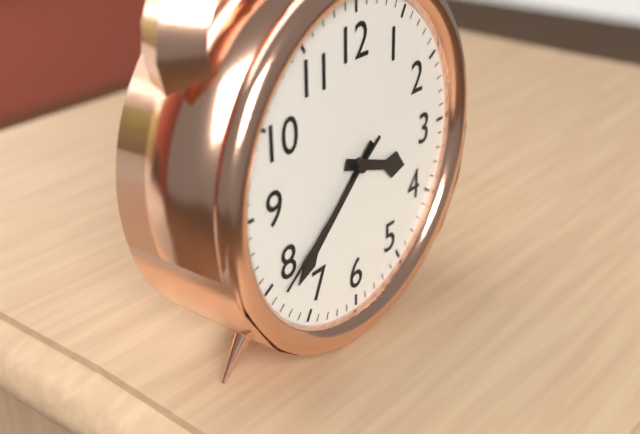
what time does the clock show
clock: 3:38:39
